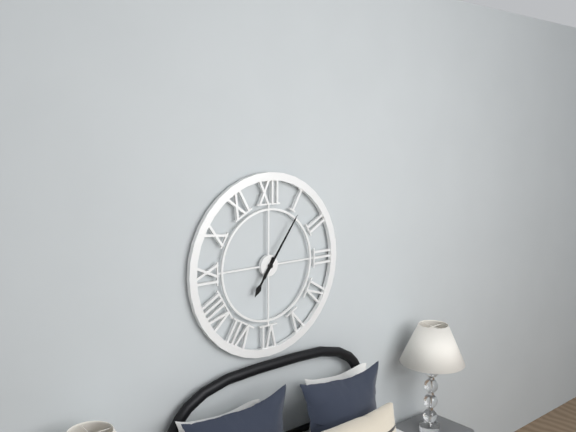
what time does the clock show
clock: 7:06
